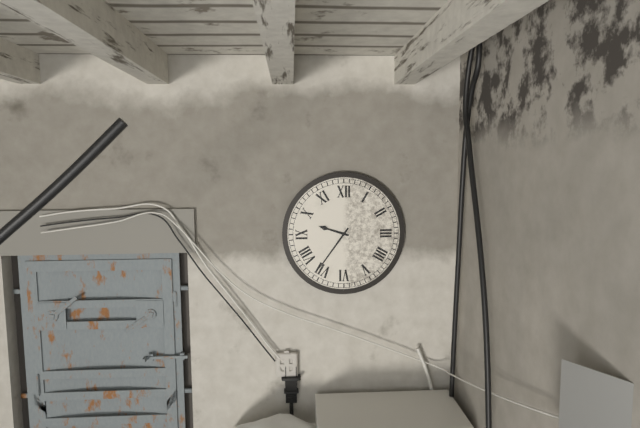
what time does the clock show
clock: 9:36
